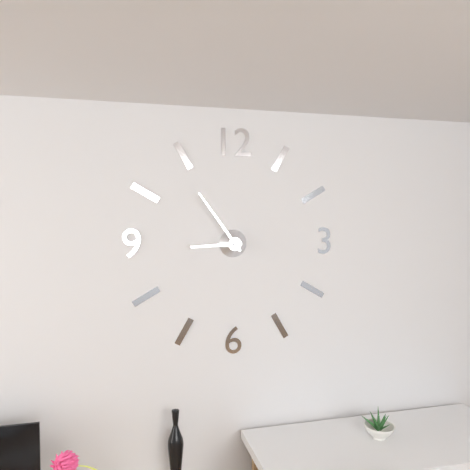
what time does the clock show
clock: 8:54
